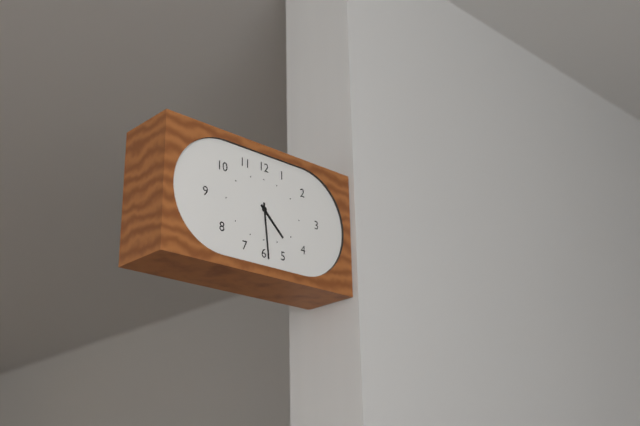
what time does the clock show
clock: 4:29
